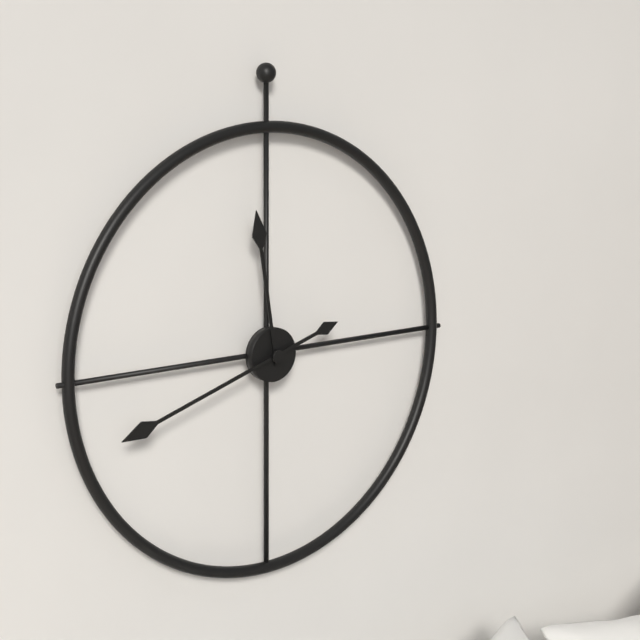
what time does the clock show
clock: 11:42
